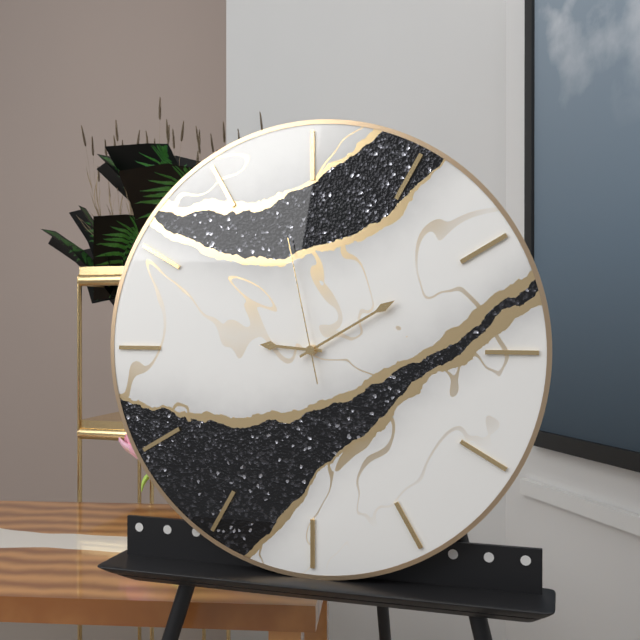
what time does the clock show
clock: 9:10:58
